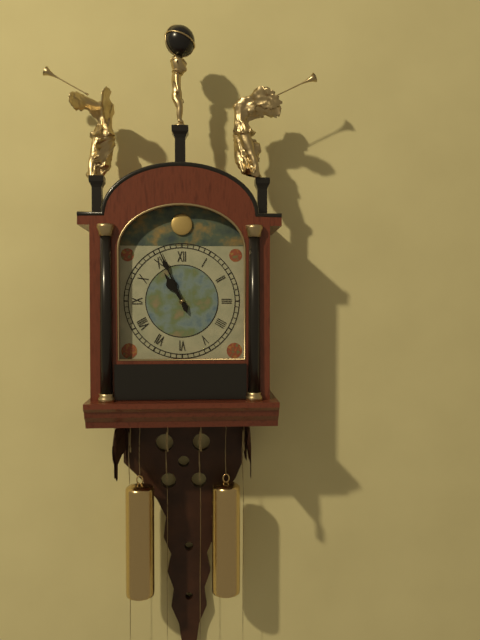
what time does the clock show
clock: 10:56
